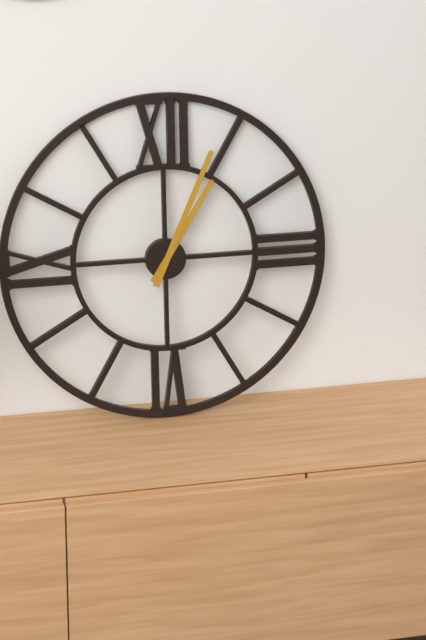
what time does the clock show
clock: 1:04
